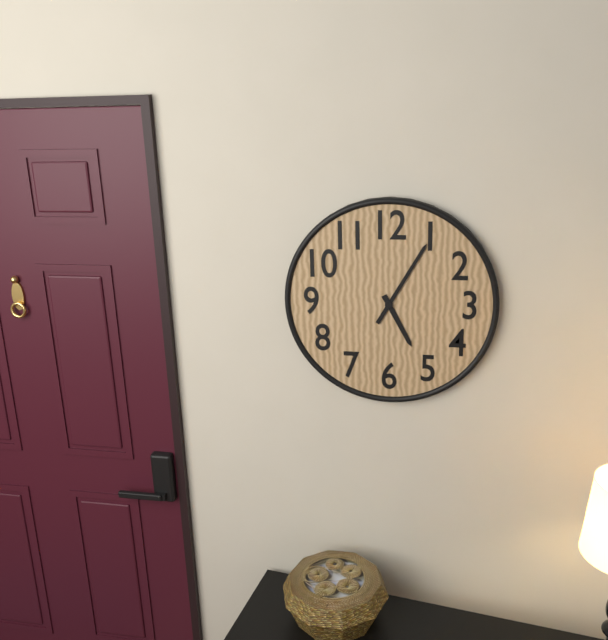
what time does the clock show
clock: 5:05
